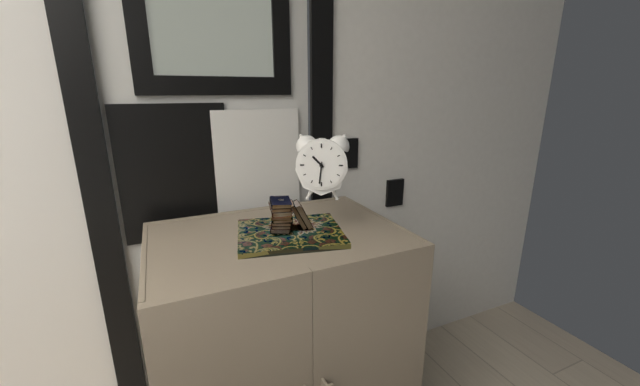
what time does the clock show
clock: 10:31
